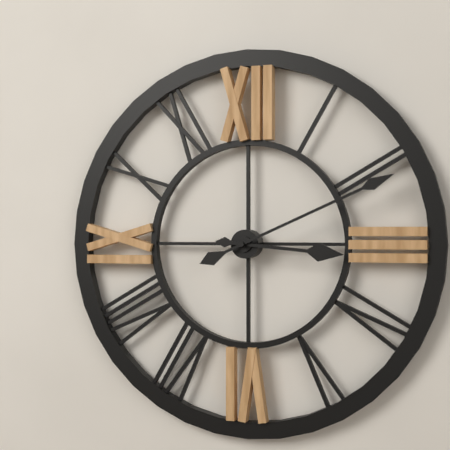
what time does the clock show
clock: 3:11
